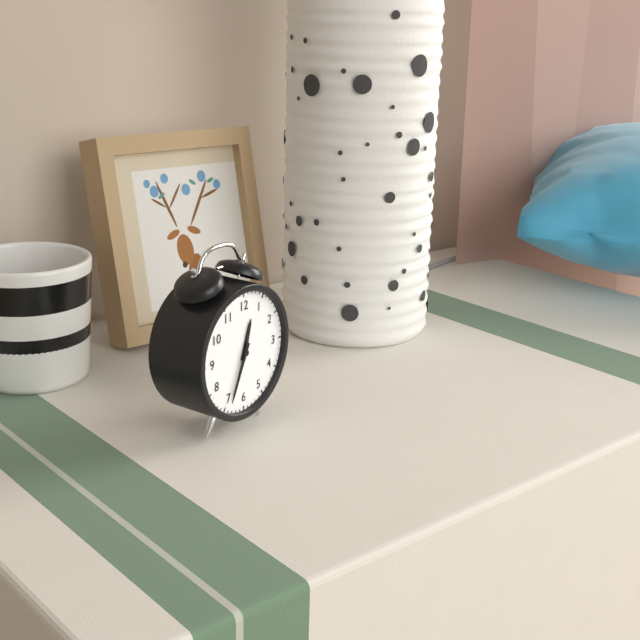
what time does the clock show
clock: 12:34
